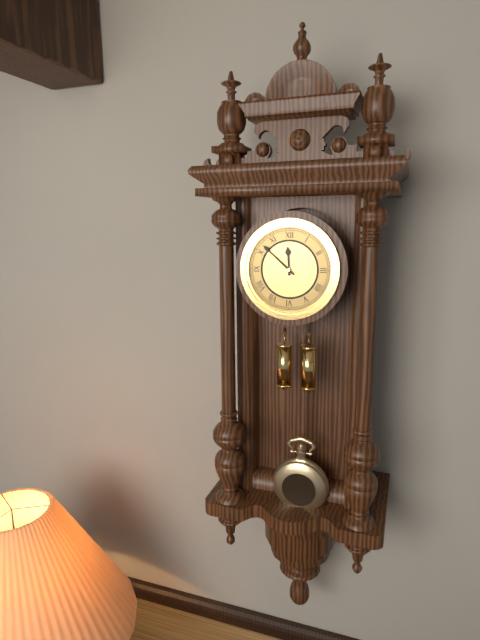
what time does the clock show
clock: 11:52
